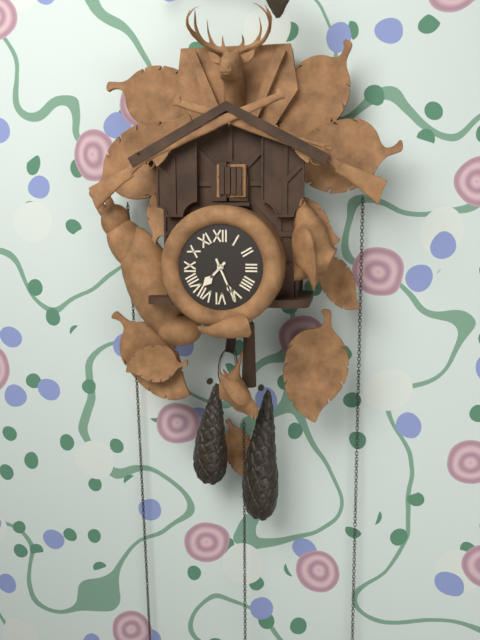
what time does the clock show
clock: 7:26
